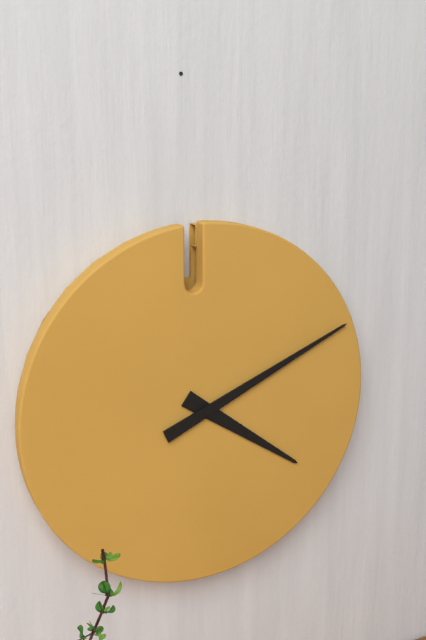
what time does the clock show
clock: 4:11
